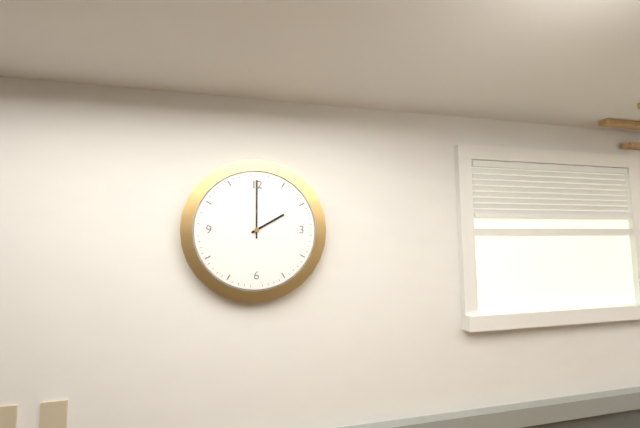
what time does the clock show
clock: 2:00
